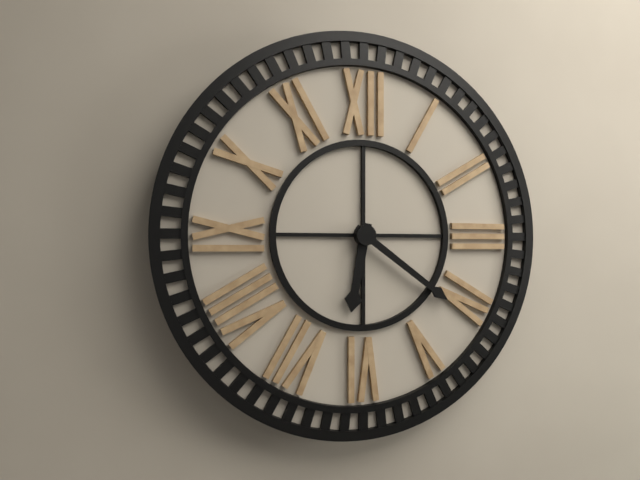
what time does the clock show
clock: 6:21
